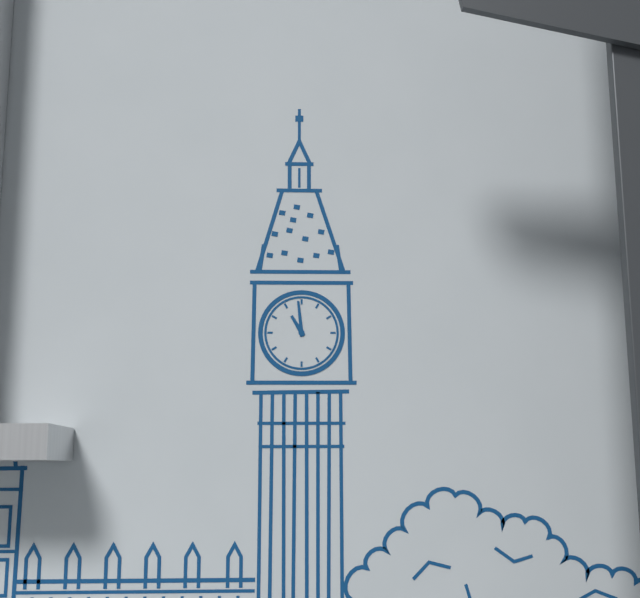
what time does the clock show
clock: 10:59
